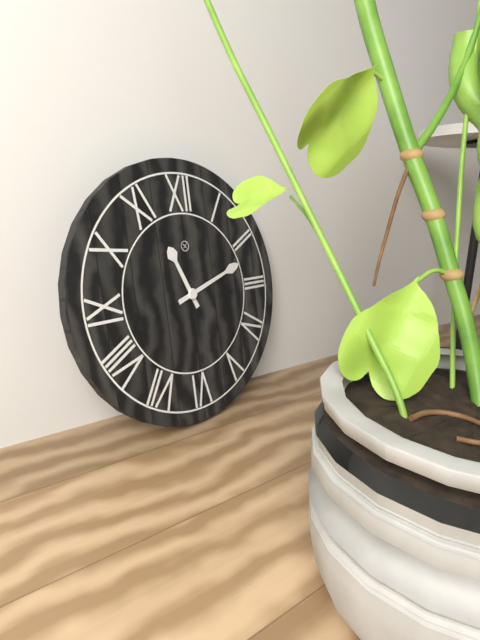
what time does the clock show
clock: 11:12
